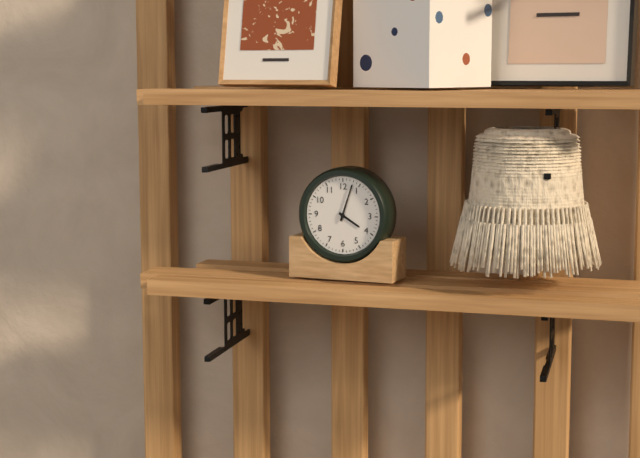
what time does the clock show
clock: 4:03
